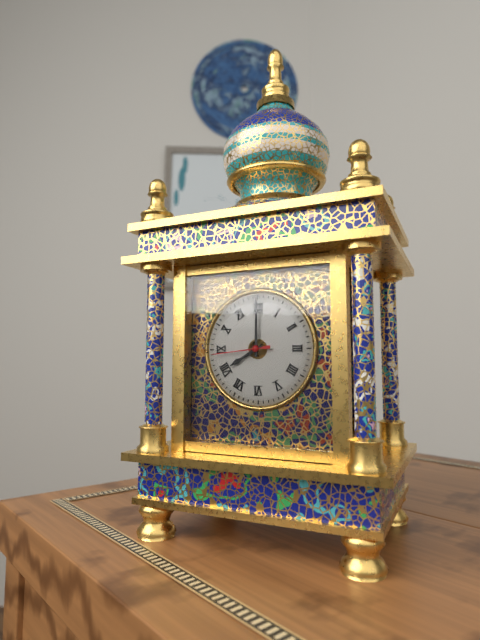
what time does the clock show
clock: 8:00:44
